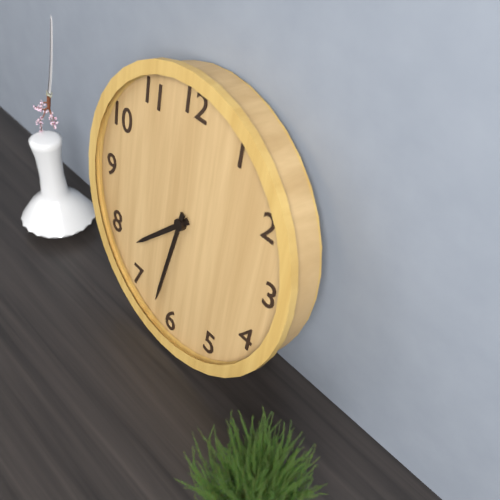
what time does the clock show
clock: 7:32
